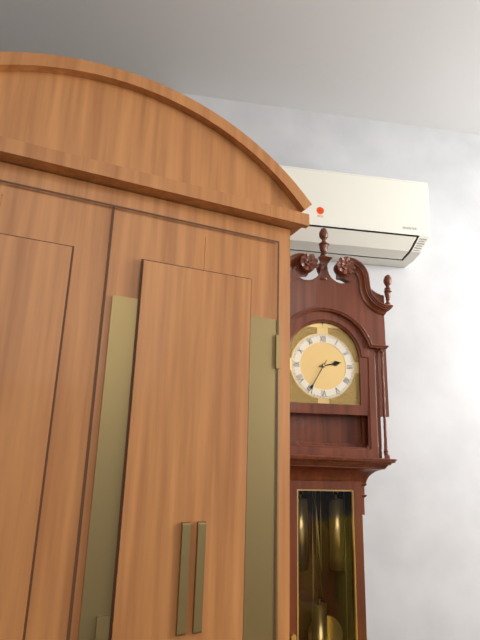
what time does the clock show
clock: 2:35
